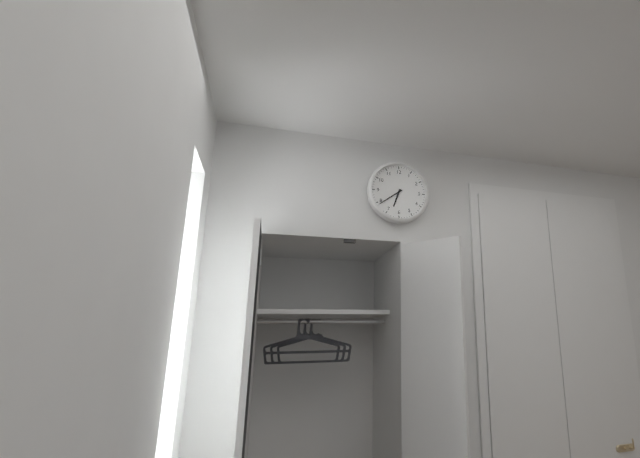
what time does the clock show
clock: 6:39
